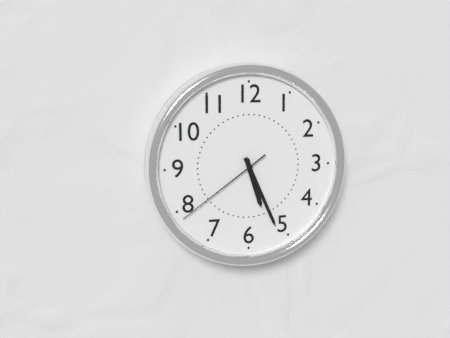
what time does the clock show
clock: 5:26:39
